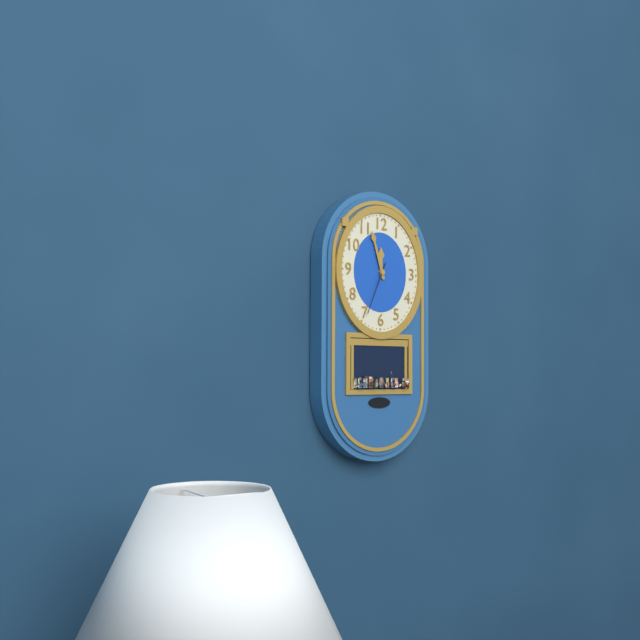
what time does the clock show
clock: 11:57
